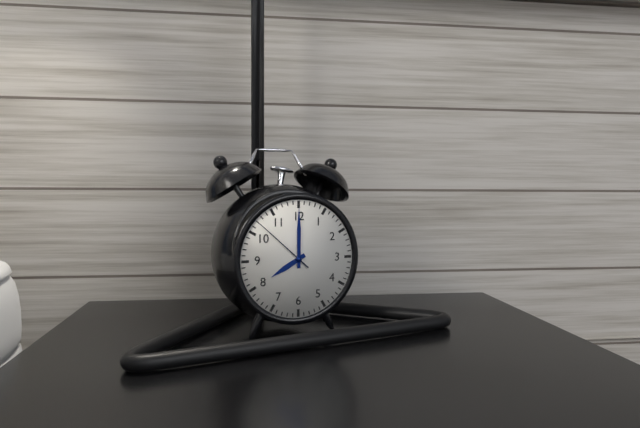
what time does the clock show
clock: 8:00:52
